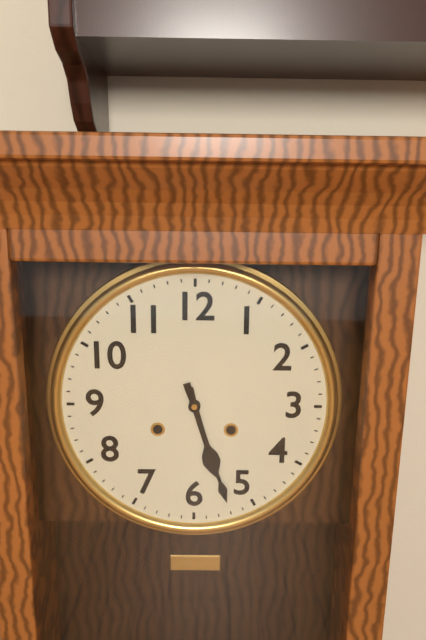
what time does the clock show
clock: 5:27
